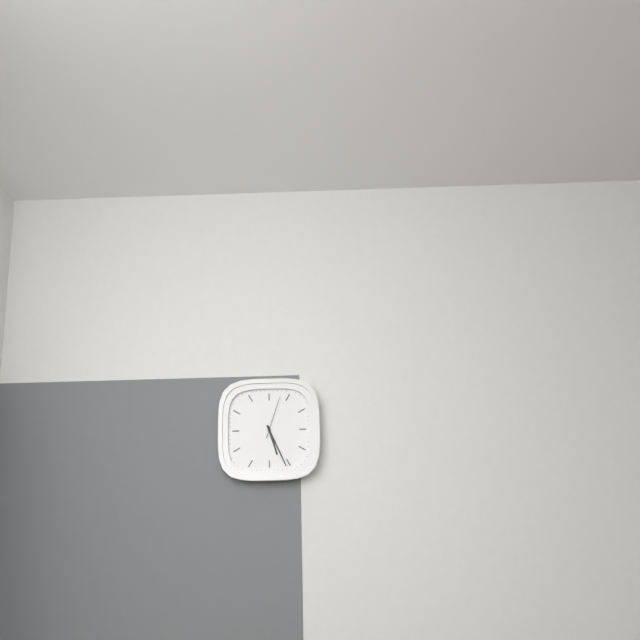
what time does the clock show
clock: 5:26
